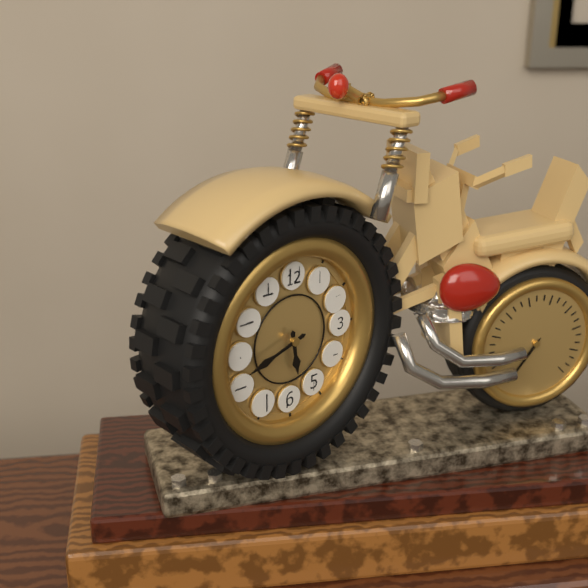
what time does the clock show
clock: 5:42
